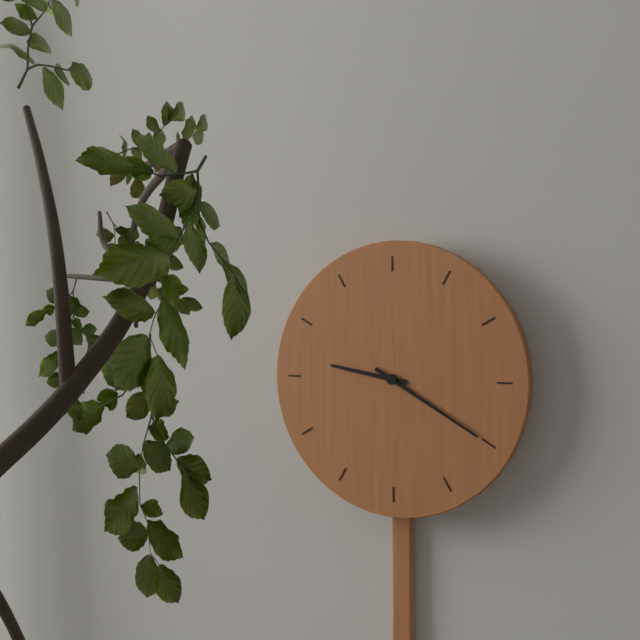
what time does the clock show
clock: 9:20
